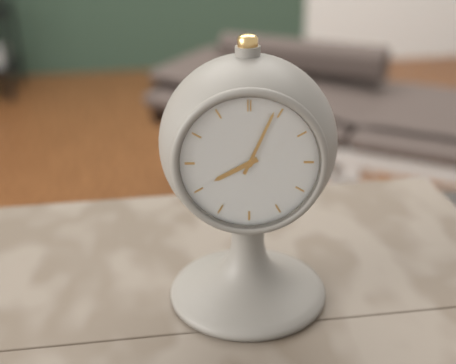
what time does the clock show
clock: 8:04
